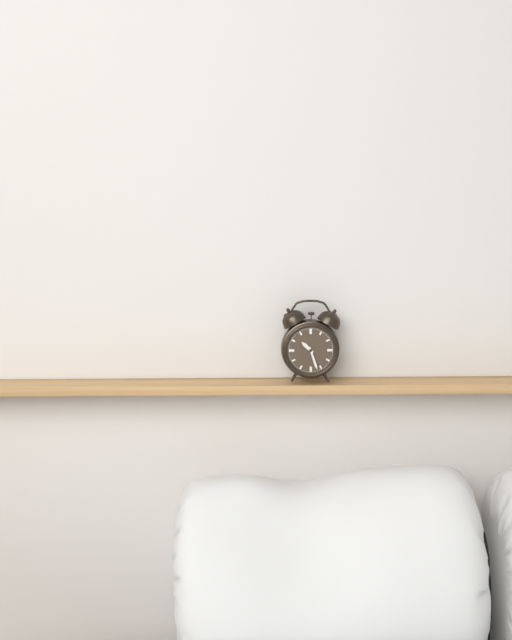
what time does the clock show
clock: 10:27
